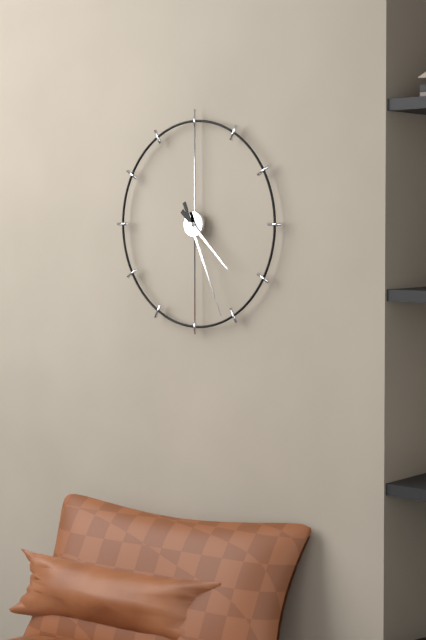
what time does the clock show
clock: 4:26
